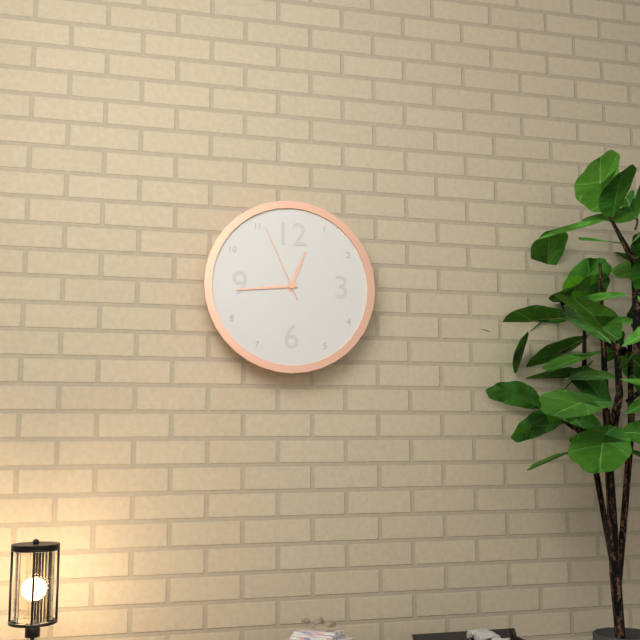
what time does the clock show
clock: 12:44:56
